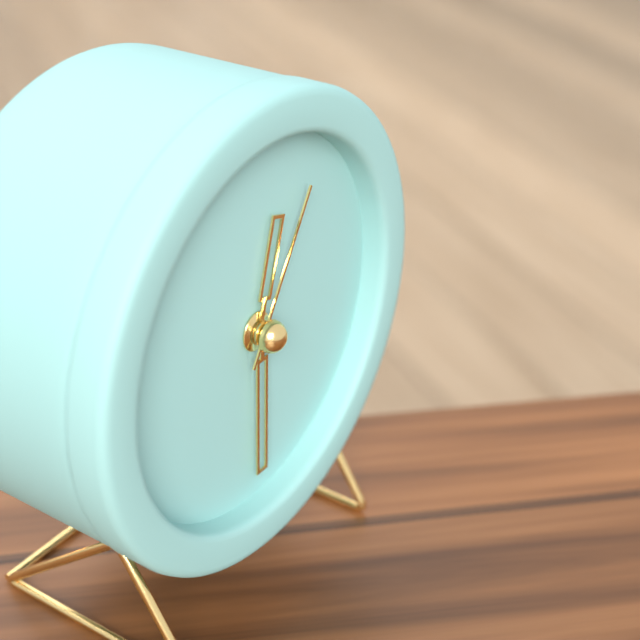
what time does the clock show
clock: 12:30:05
